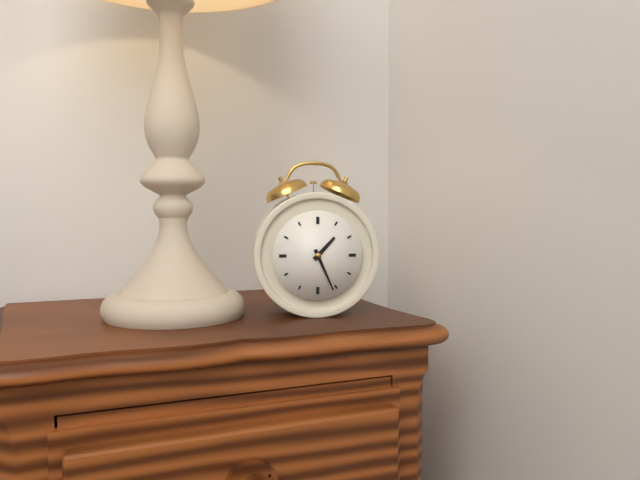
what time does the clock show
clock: 1:26
